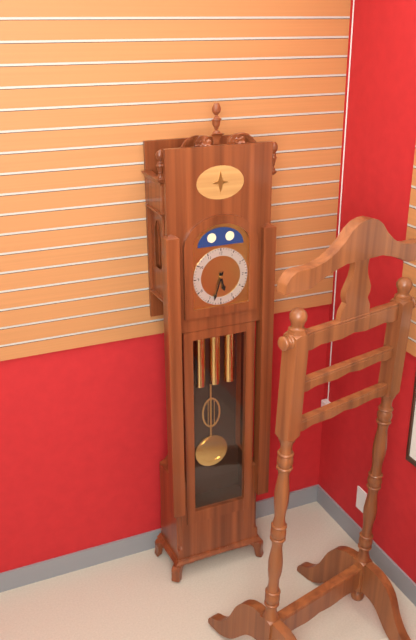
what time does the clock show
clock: 5:33
